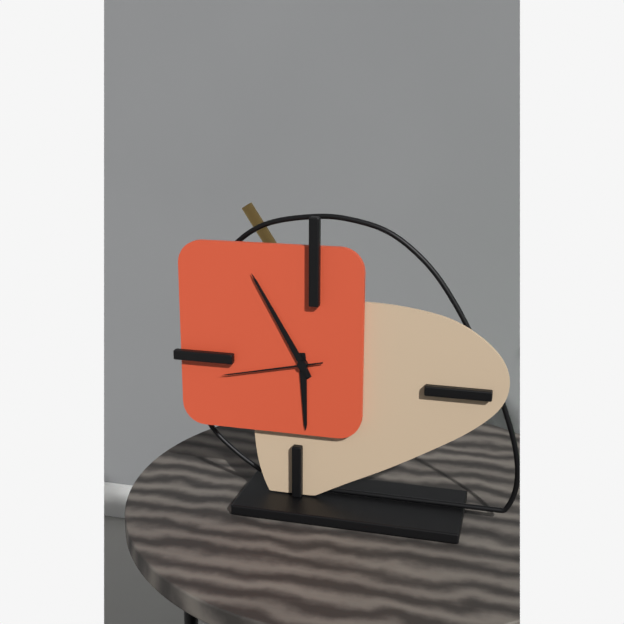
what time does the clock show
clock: 5:55:43
